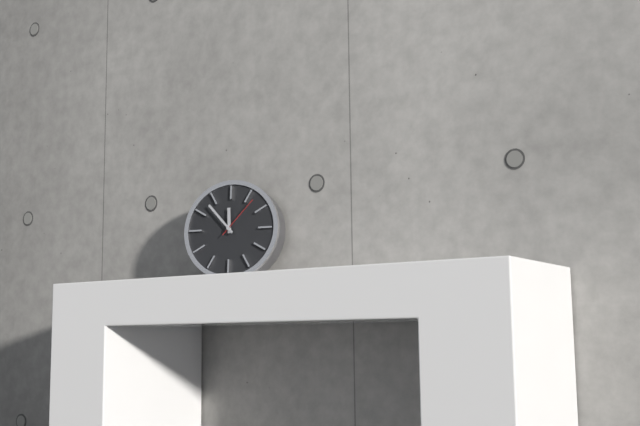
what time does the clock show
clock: 11:53
